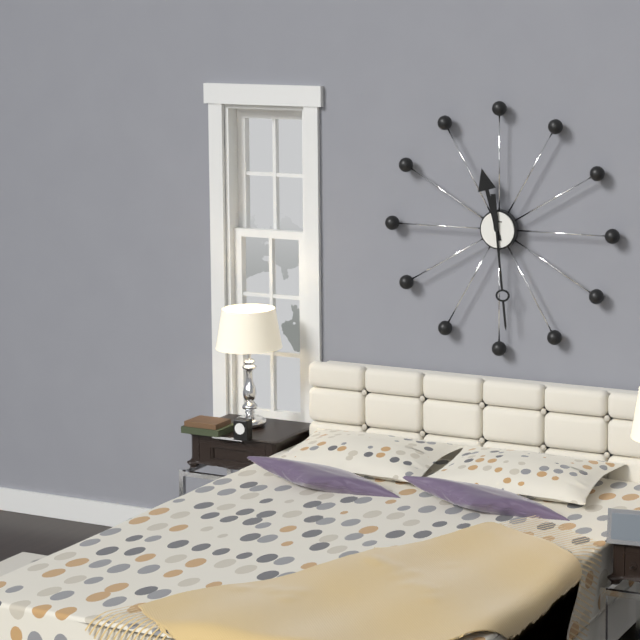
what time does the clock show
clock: 11:29
